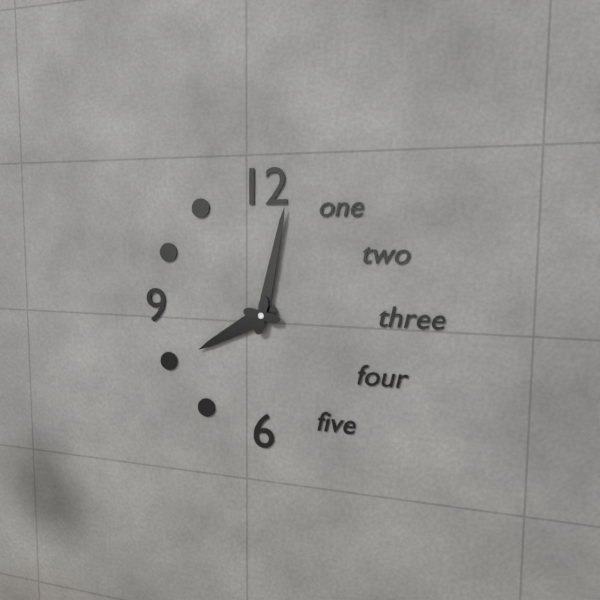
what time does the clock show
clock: 8:02
